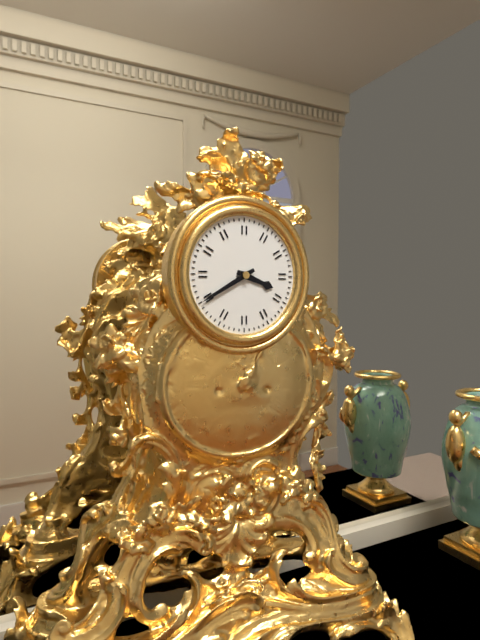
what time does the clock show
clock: 3:40
